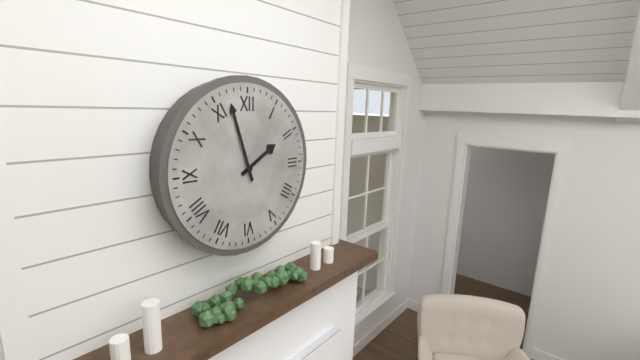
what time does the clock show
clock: 1:57
